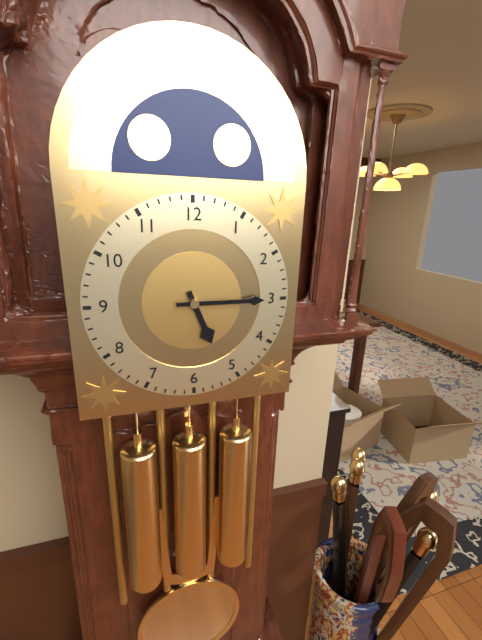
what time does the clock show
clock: 5:15
